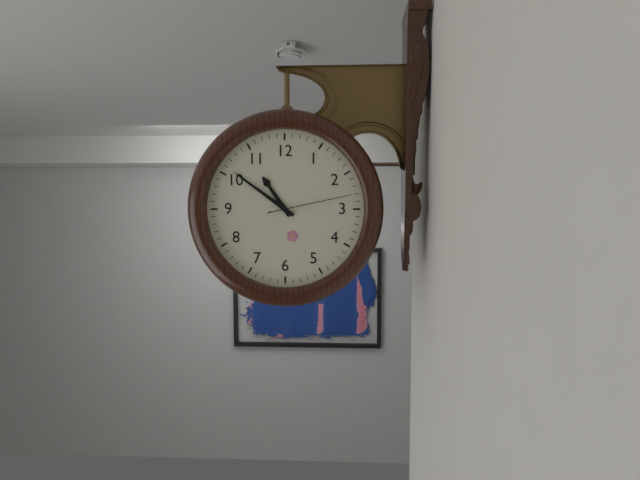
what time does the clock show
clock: 10:51:13
